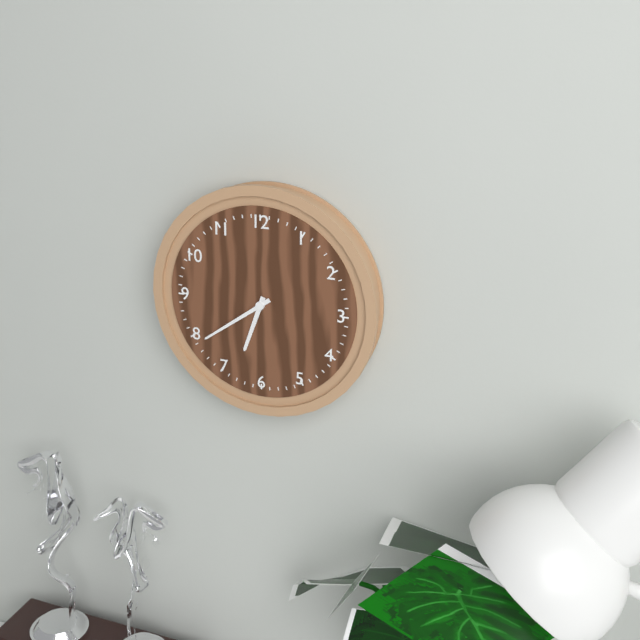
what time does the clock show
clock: 6:39
